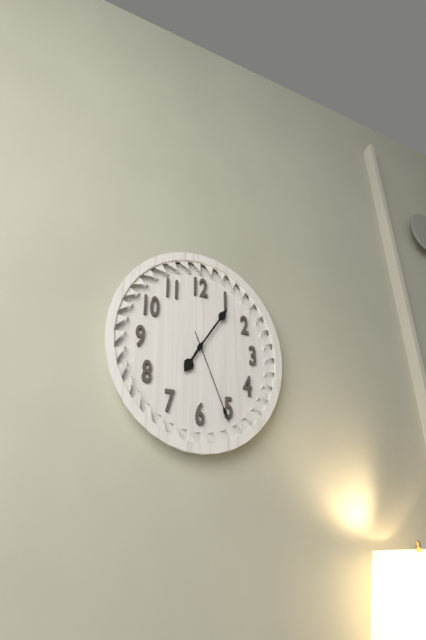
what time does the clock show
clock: 7:06:26
